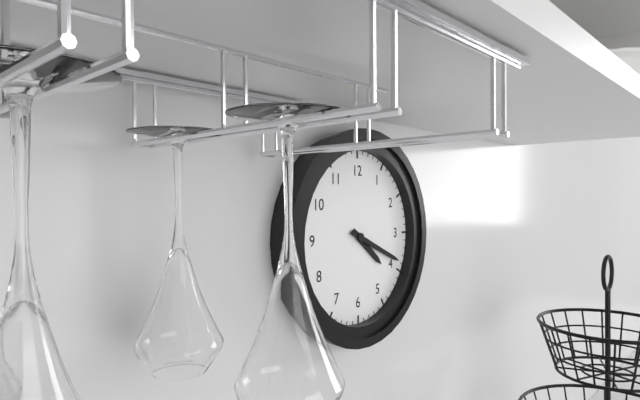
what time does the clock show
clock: 4:19
